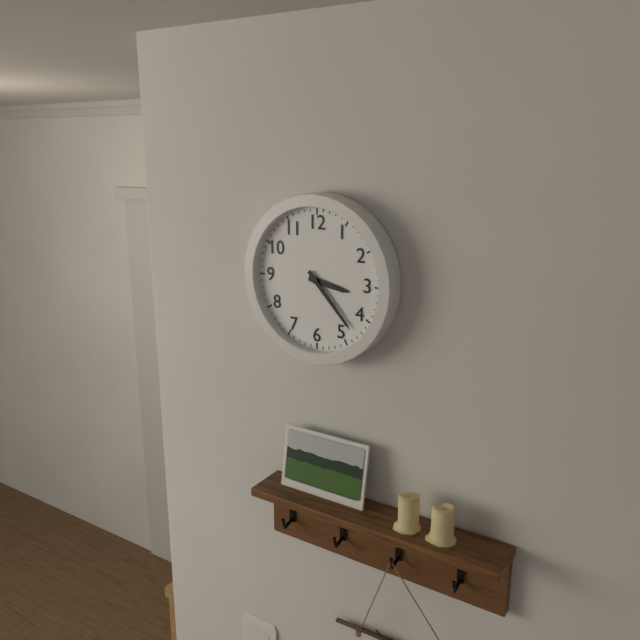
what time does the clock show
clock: 3:23
